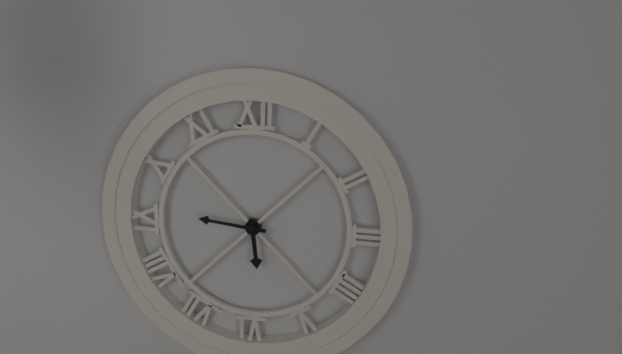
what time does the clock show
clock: 5:46
